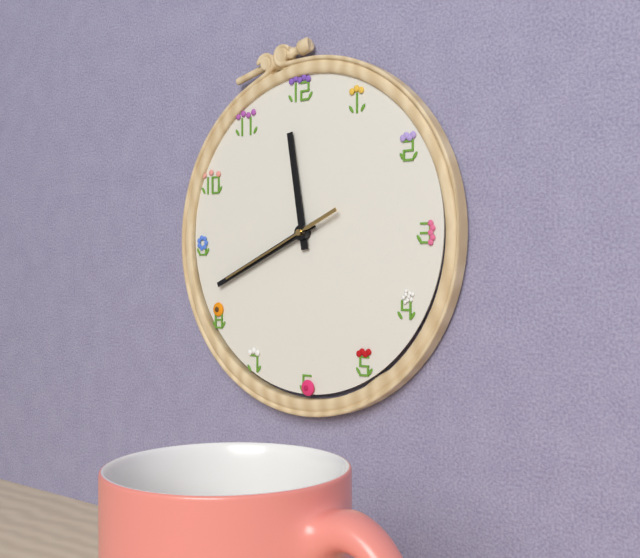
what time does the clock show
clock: 11:41:41
